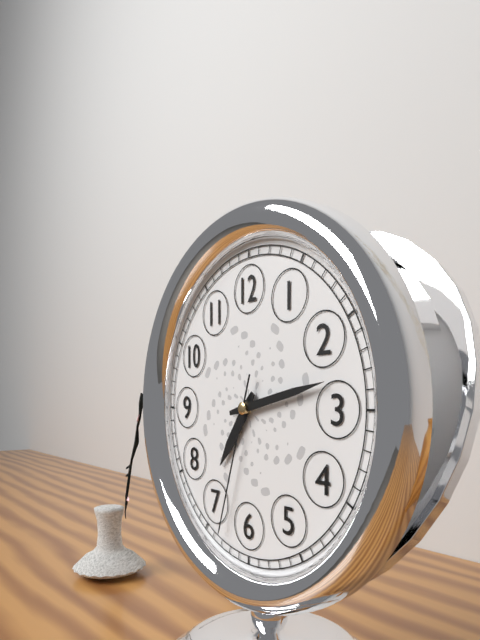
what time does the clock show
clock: 7:13:33
